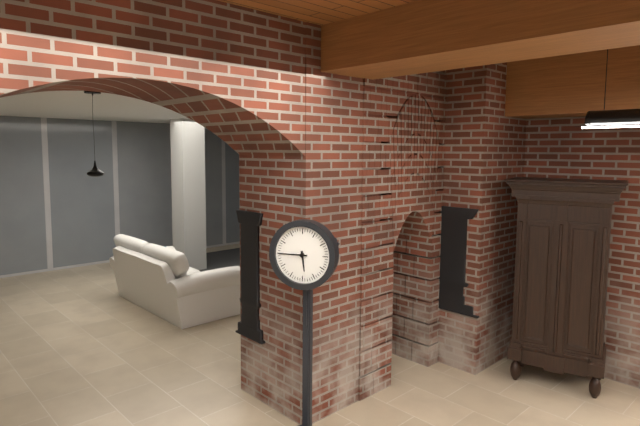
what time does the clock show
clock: 5:45
